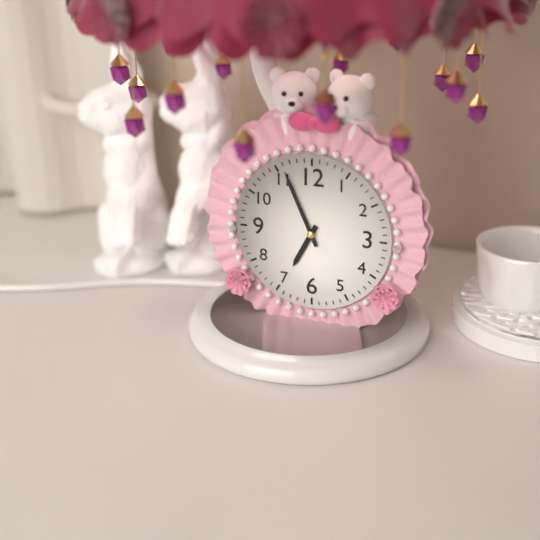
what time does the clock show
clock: 6:56
